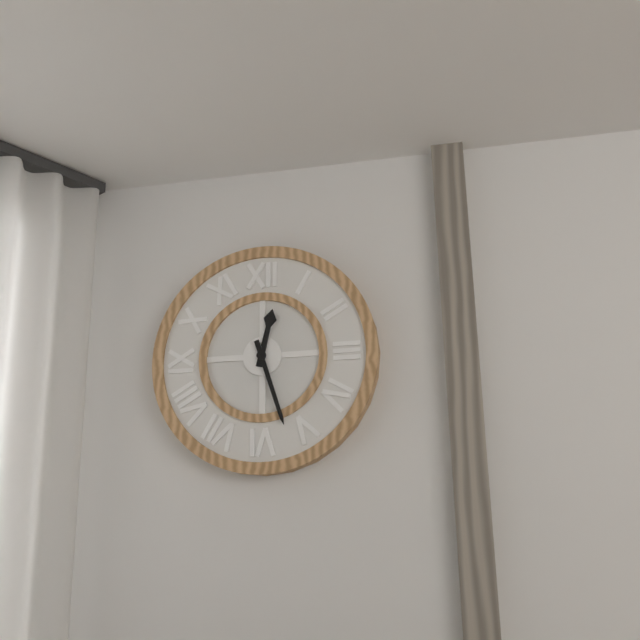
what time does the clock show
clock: 12:27
